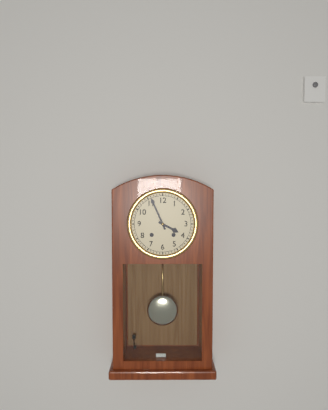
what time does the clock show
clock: 3:56
